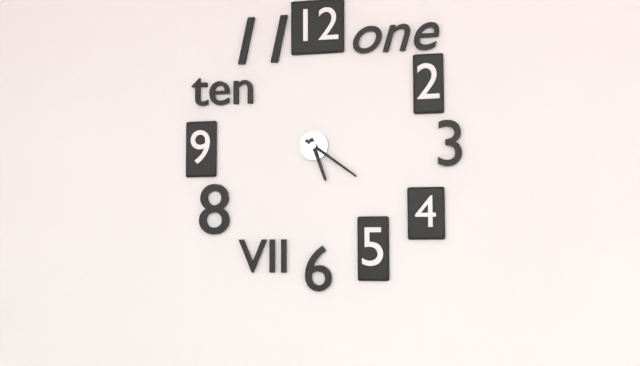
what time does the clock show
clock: 5:21
